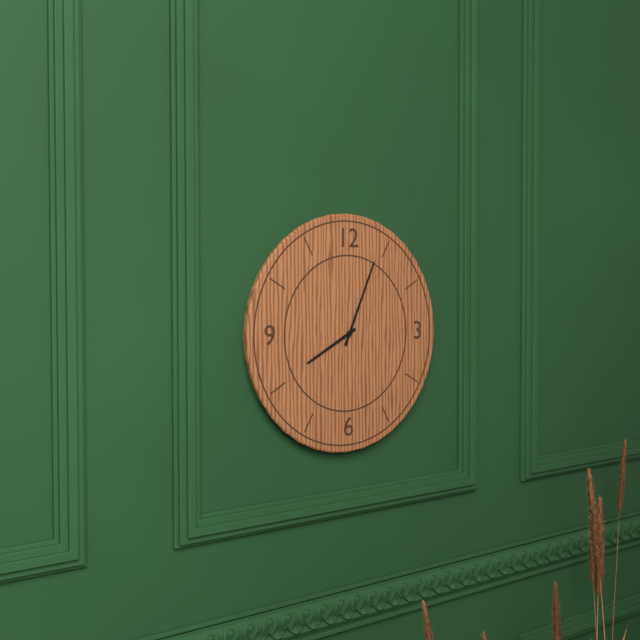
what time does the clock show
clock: 8:04
